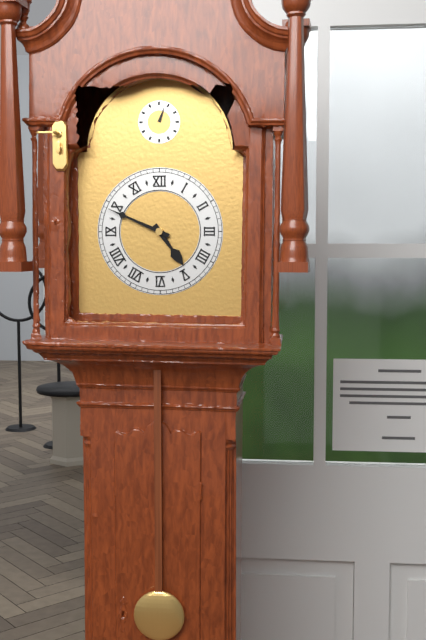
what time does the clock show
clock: 4:49
